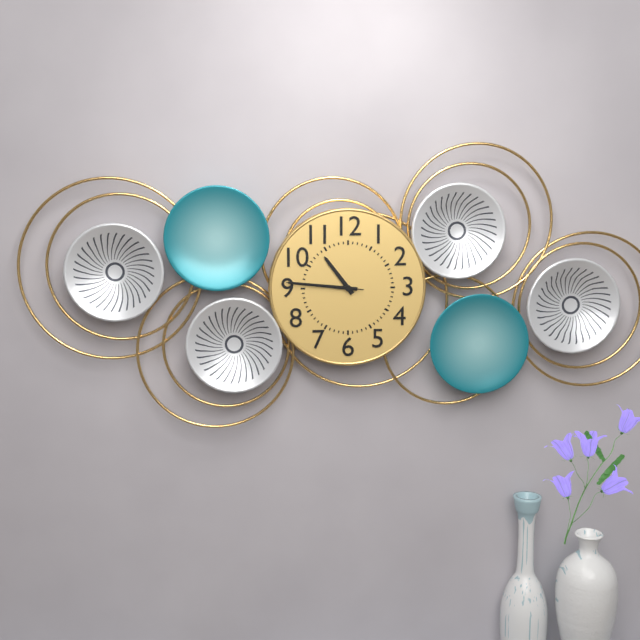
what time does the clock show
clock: 10:46:46
